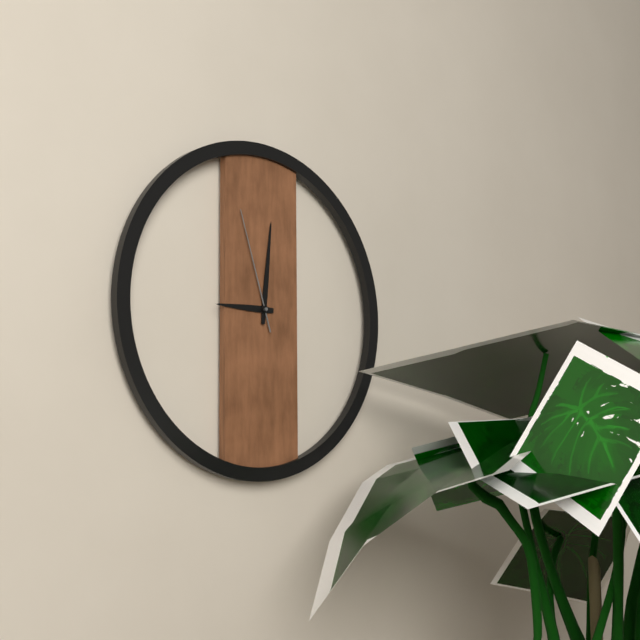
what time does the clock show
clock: 9:01:57
